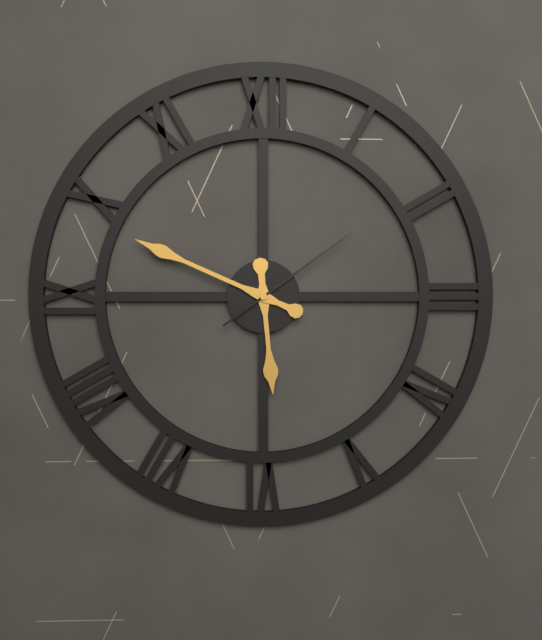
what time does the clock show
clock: 5:49:09
